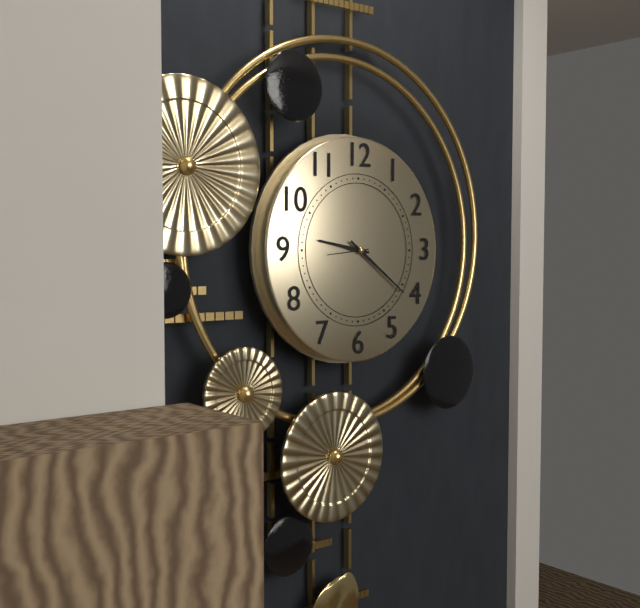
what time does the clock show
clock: 9:21
